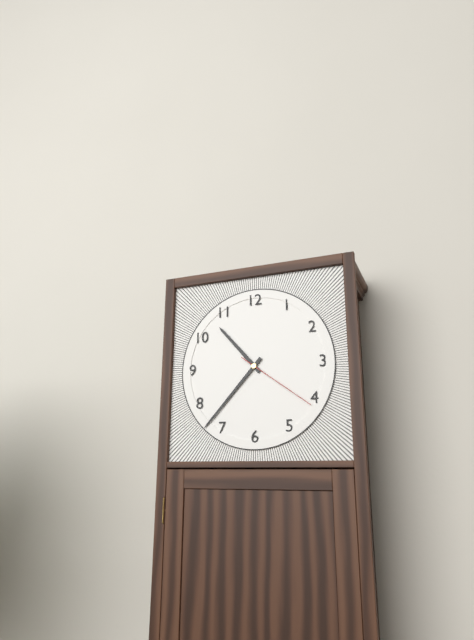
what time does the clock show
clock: 10:37:21
